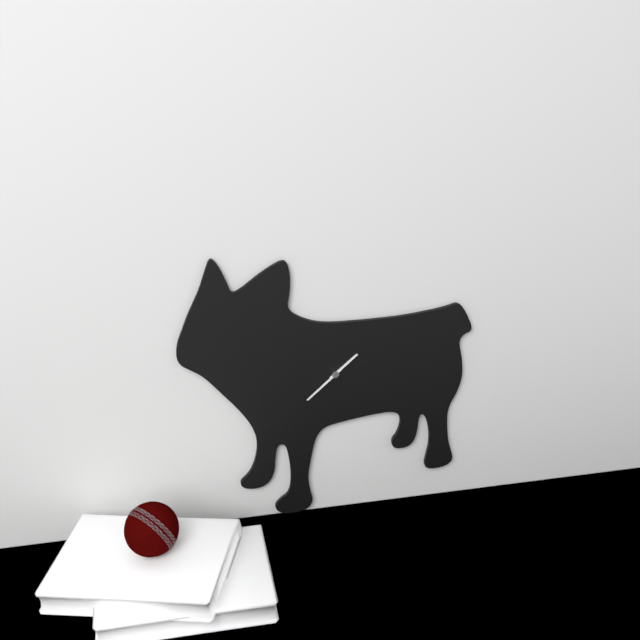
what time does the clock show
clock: 1:38
